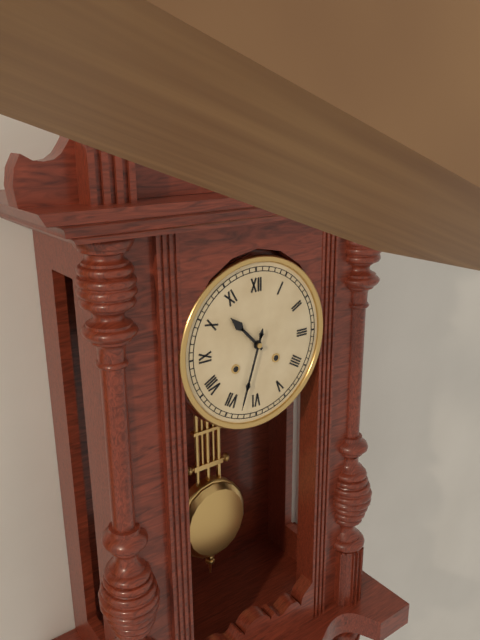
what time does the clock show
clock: 10:33
